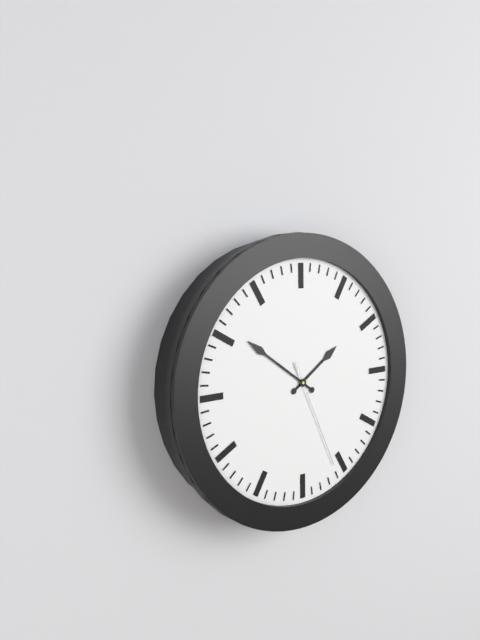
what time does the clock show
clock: 1:51:26
